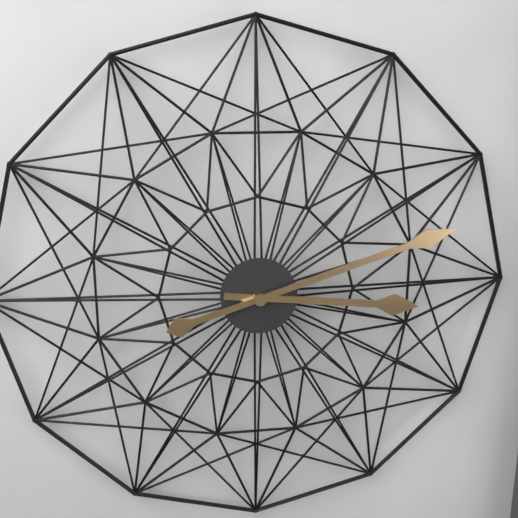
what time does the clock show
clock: 3:12
